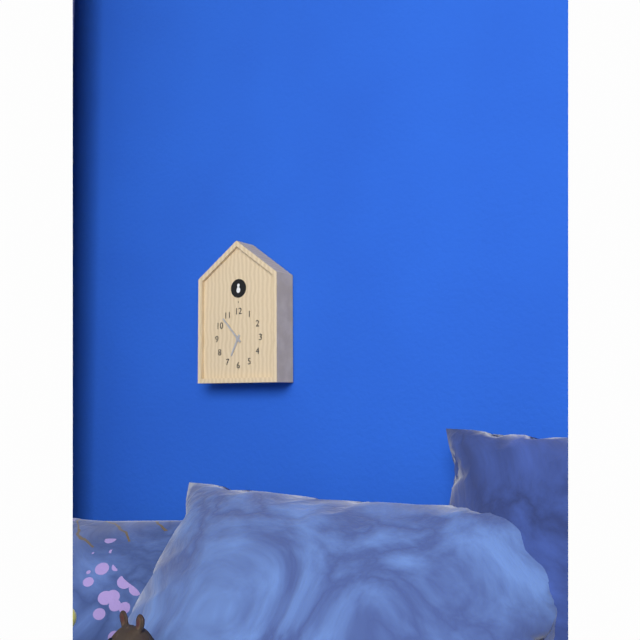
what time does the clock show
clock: 6:53
